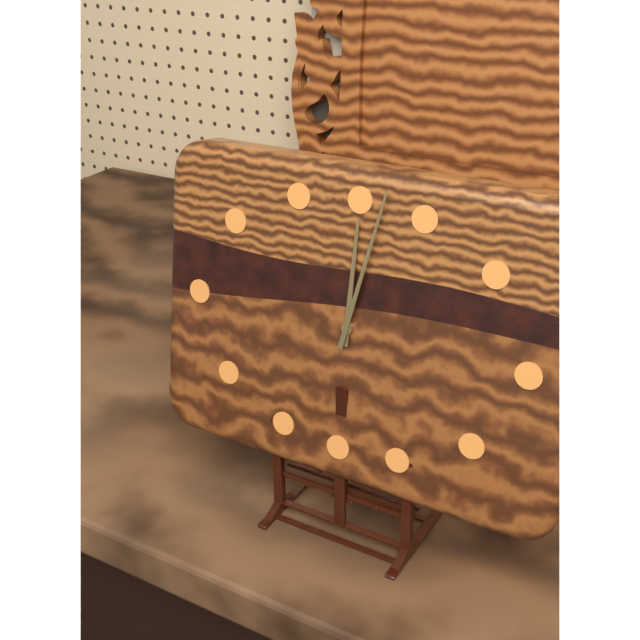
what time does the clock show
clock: 12:02
